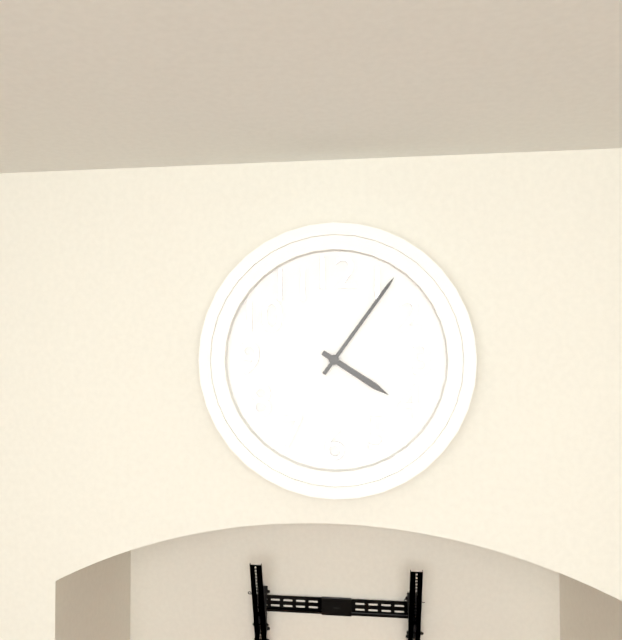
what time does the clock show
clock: 4:06
